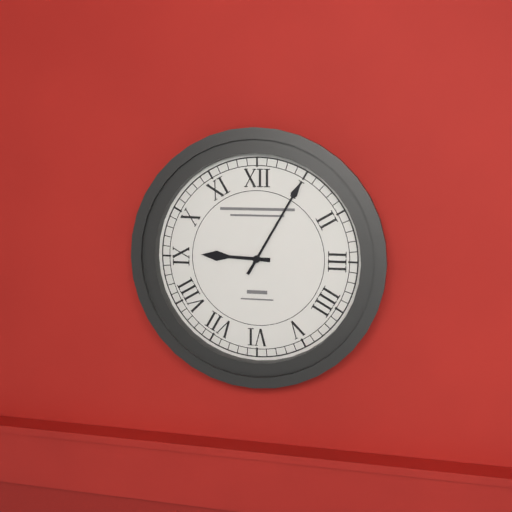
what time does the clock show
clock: 9:05
